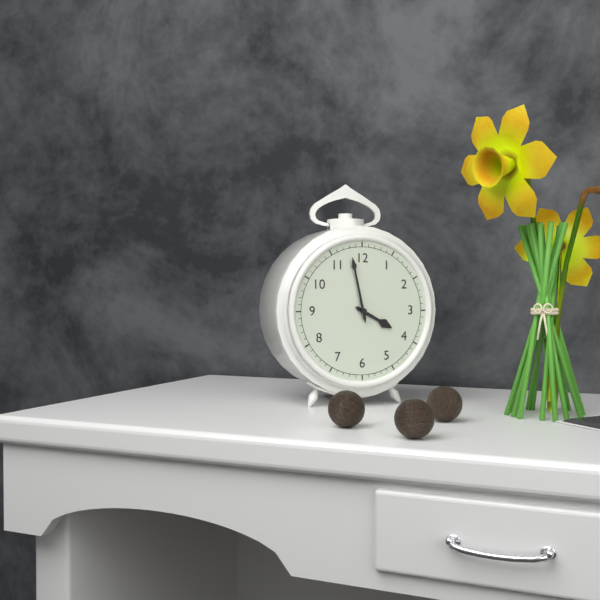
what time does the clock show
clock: 3:58
